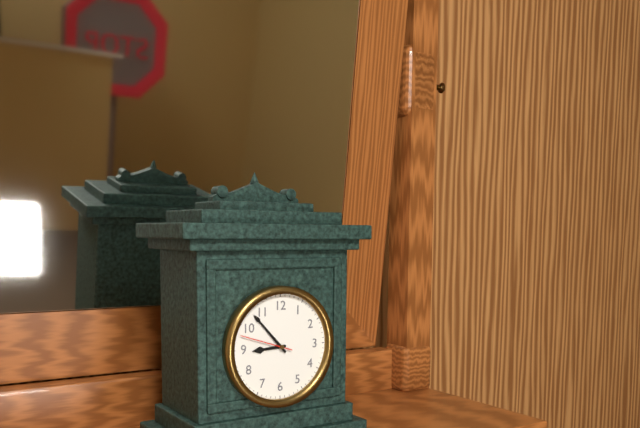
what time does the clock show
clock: 8:53:48
